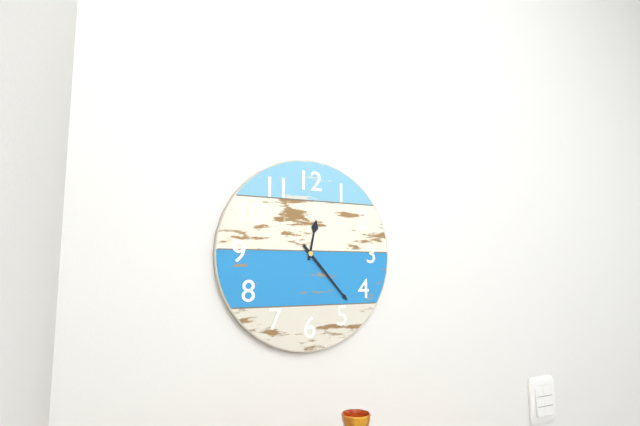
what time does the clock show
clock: 12:23
